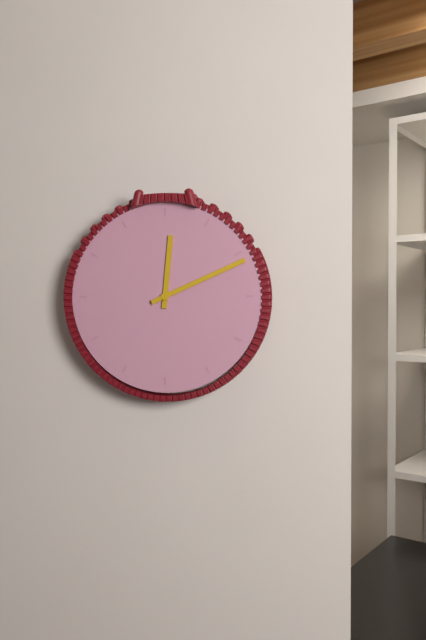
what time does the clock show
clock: 12:11
